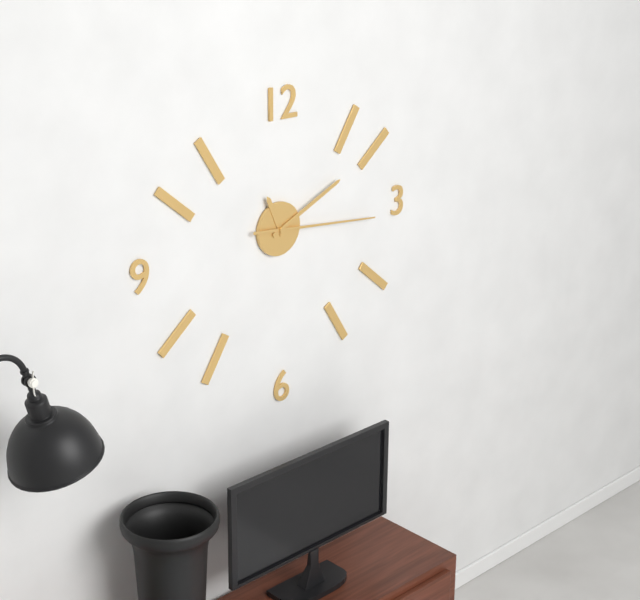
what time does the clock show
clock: 11:11:16
